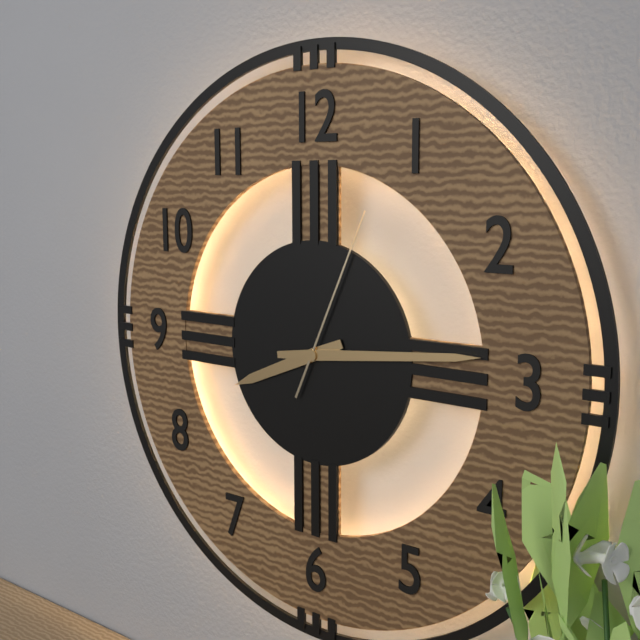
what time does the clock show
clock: 8:14:04
